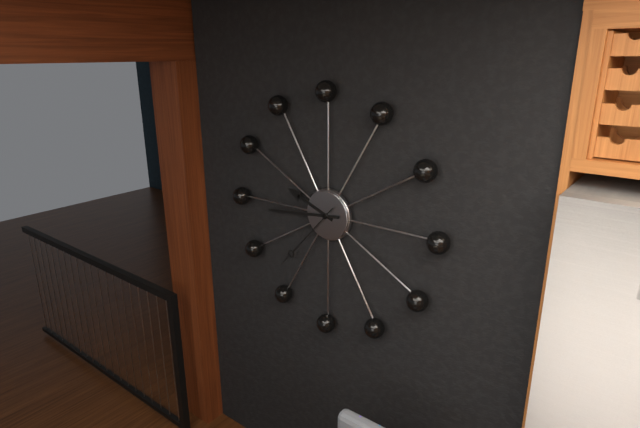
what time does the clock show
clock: 9:44:37
